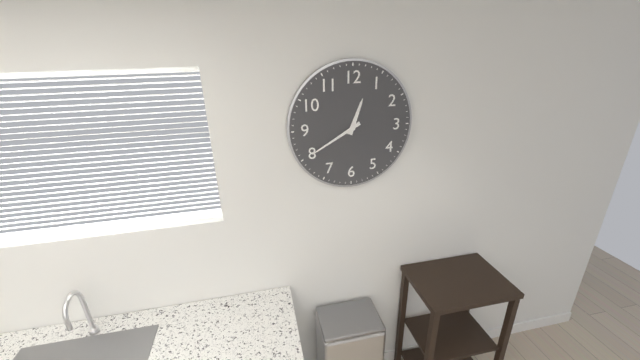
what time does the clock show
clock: 12:40
